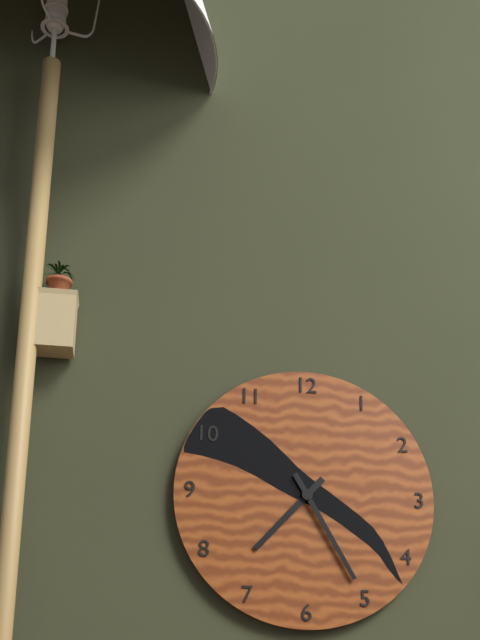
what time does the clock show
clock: 7:25
